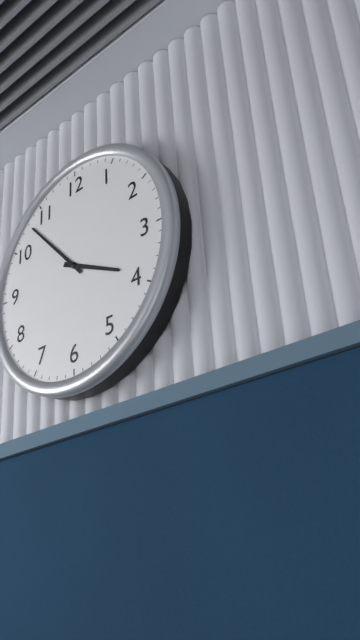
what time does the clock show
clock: 3:53
